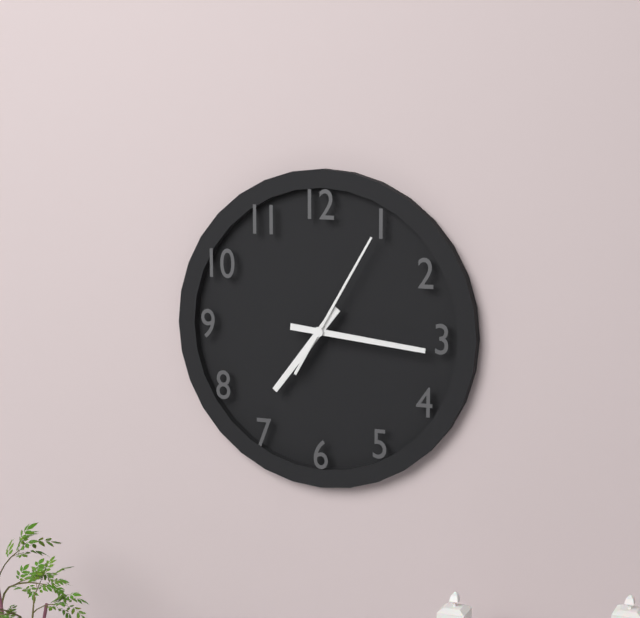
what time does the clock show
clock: 7:16:05
